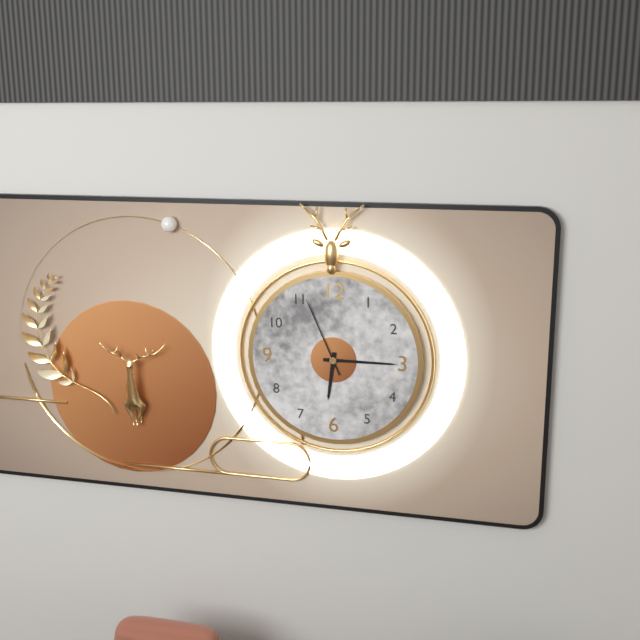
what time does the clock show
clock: 6:15:56
